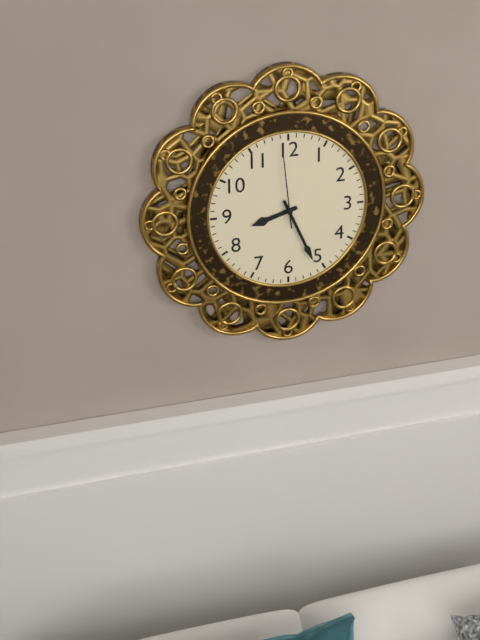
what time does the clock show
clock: 8:26:59
